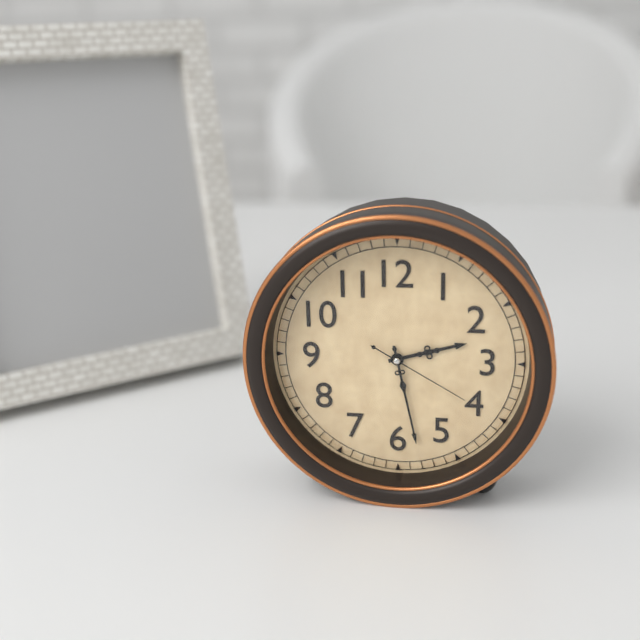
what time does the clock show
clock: 2:28:20
